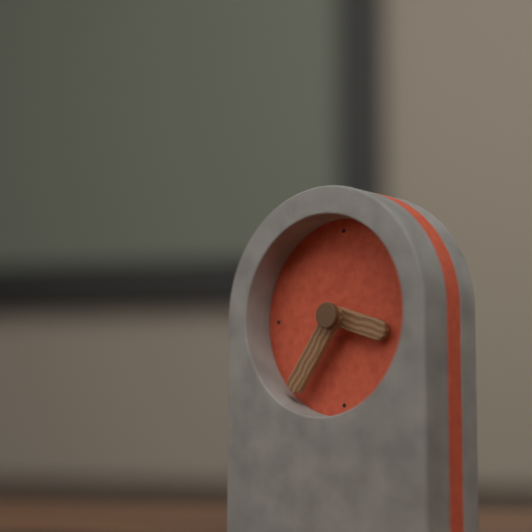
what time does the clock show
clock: 3:36
